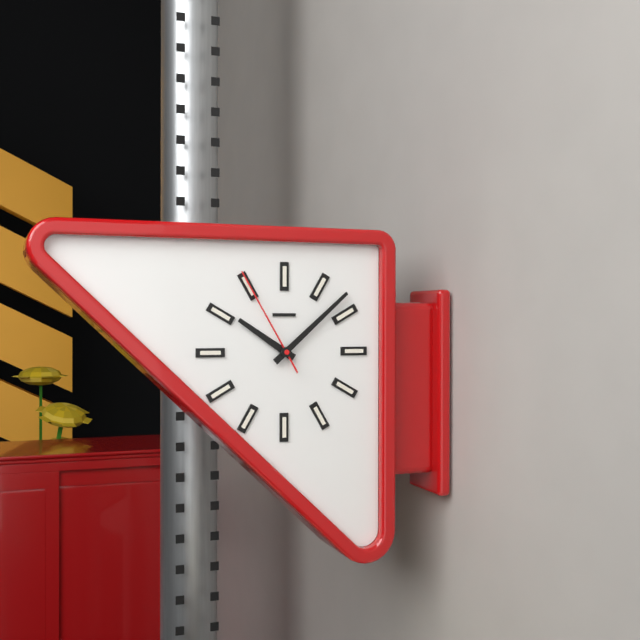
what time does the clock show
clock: 10:08:55
